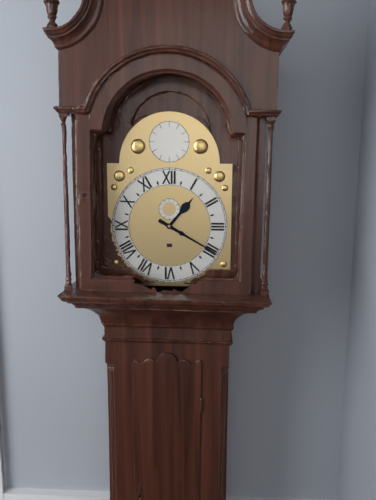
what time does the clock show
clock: 1:20
